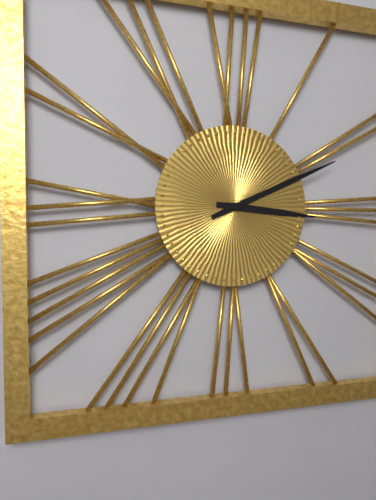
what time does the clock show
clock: 3:11
